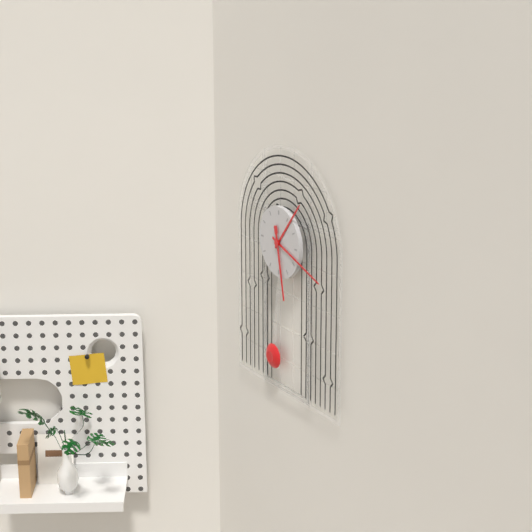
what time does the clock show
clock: 1:18:28
